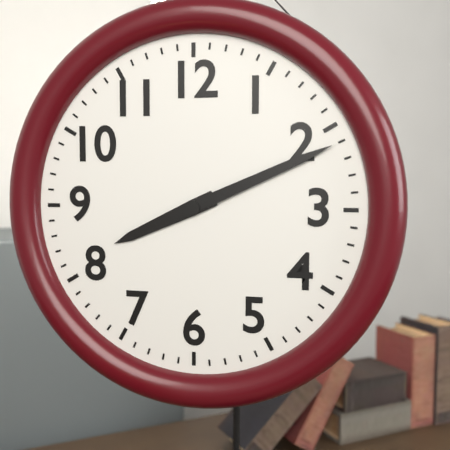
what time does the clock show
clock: 8:11
